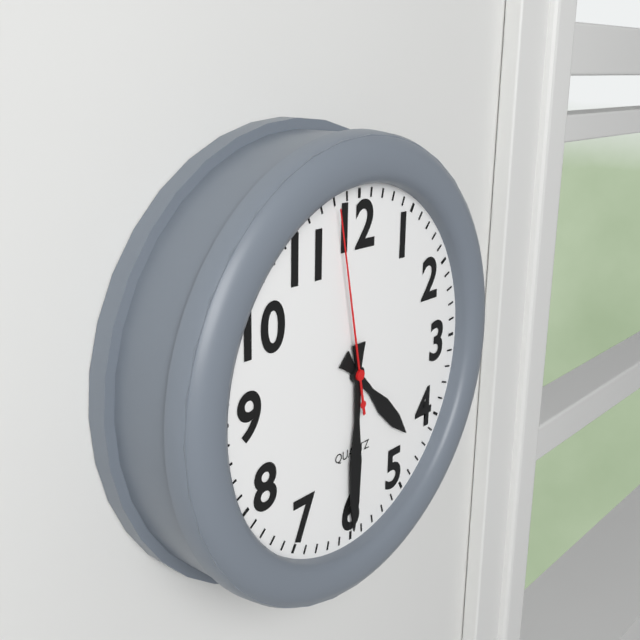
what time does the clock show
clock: 4:30:58
